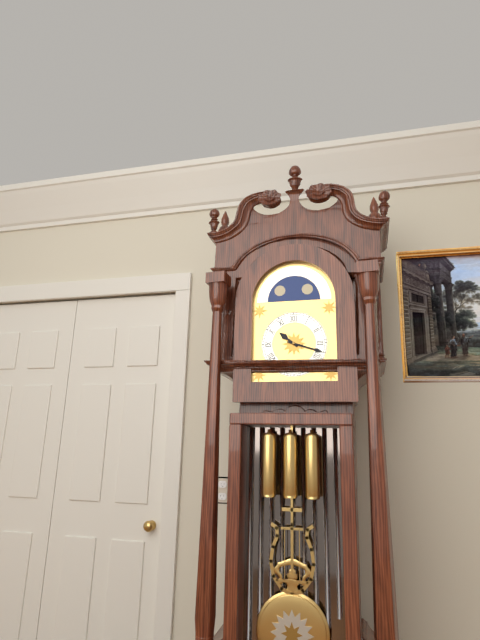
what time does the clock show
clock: 10:18
